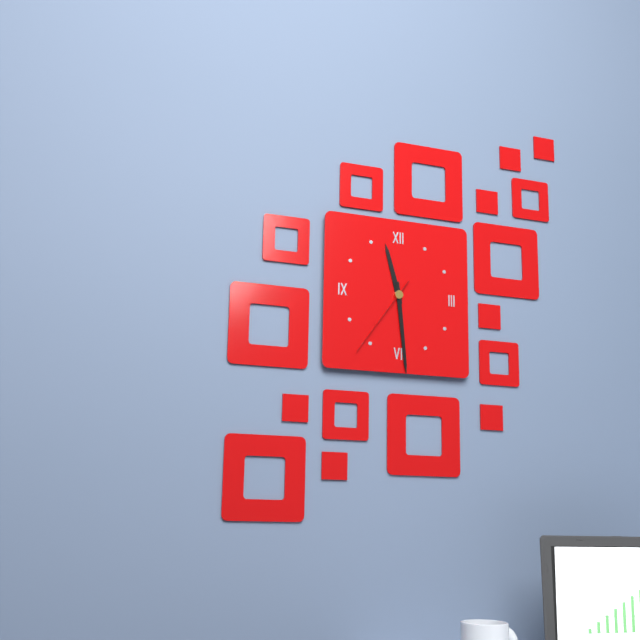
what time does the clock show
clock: 11:29:36
